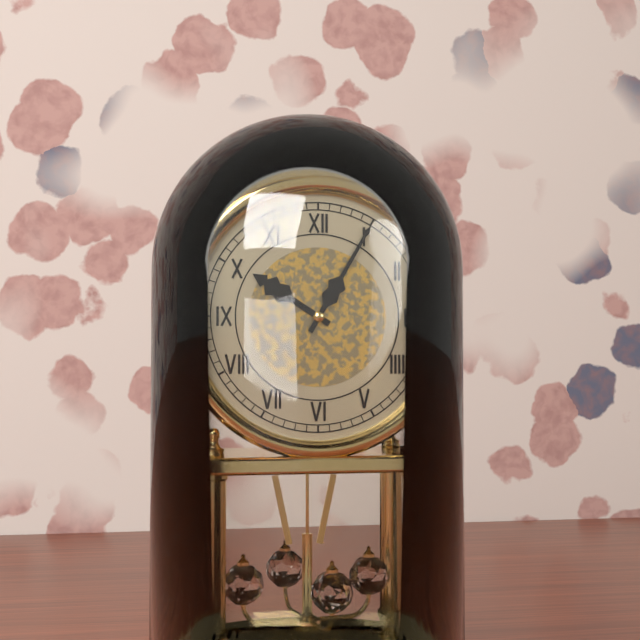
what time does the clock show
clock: 10:05
